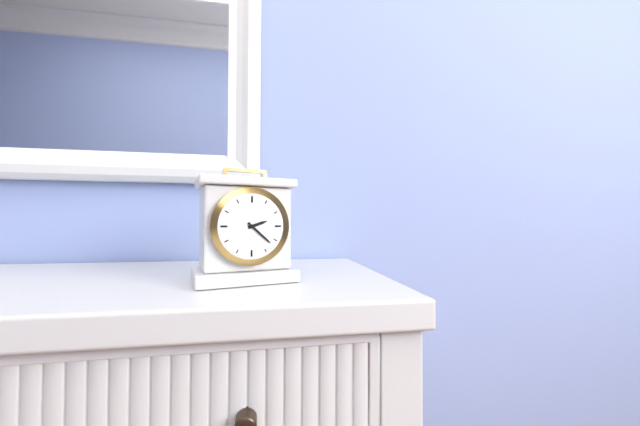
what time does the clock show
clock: 2:22
